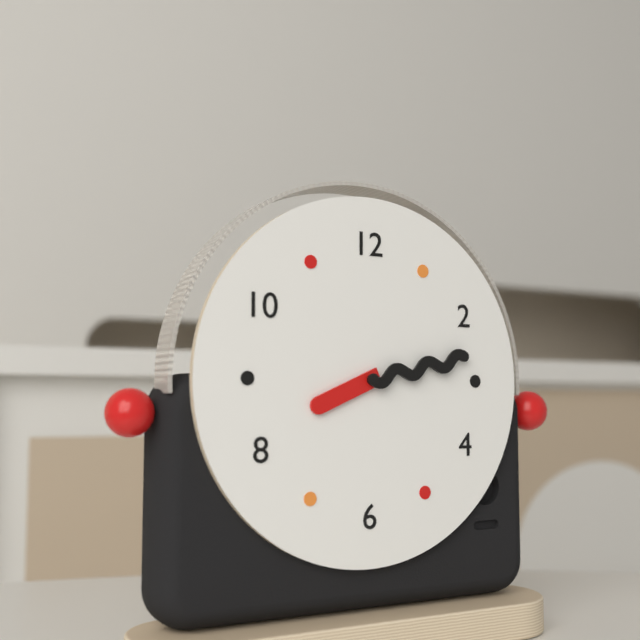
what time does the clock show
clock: 8:13
